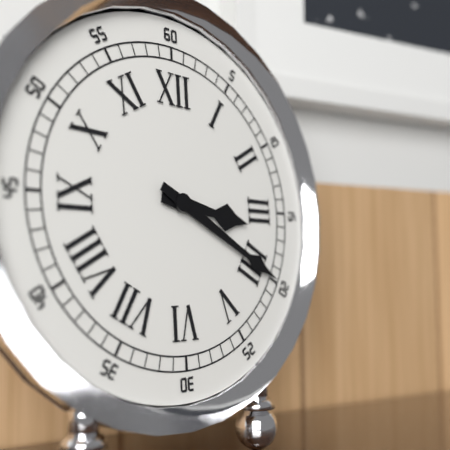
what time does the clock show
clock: 3:20
